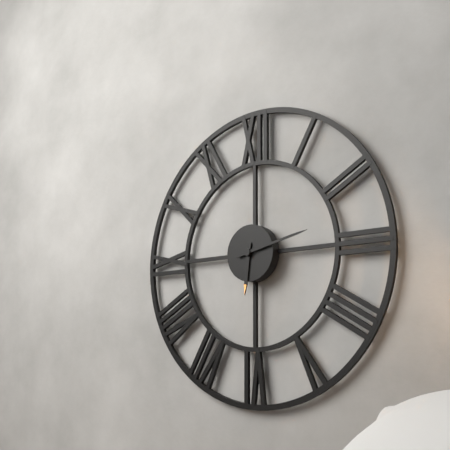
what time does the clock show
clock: 6:13
